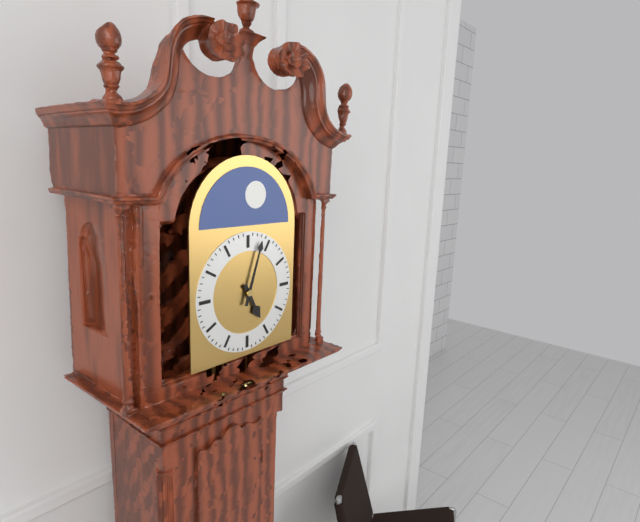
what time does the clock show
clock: 5:03
